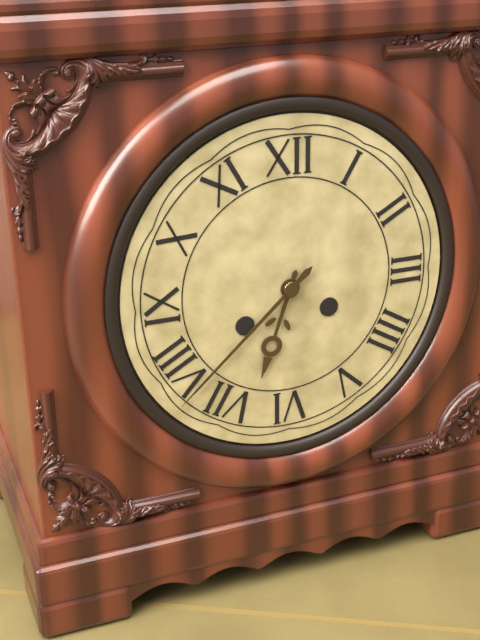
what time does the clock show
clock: 6:38
